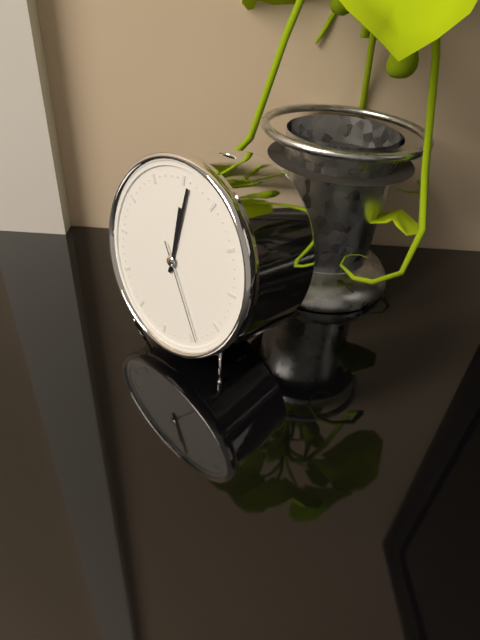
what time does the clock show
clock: 12:01:24
